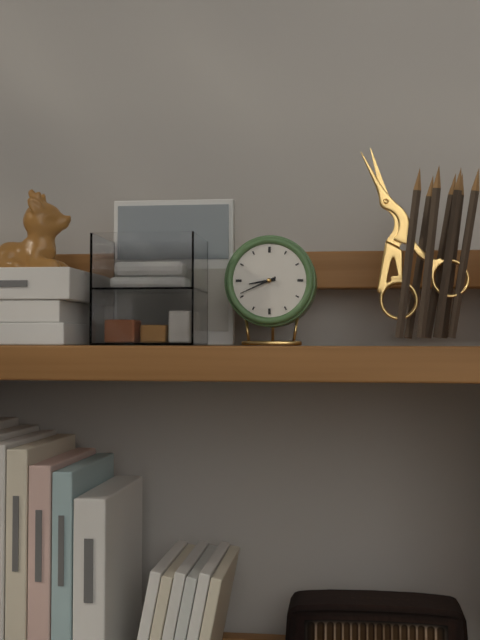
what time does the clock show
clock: 8:41
